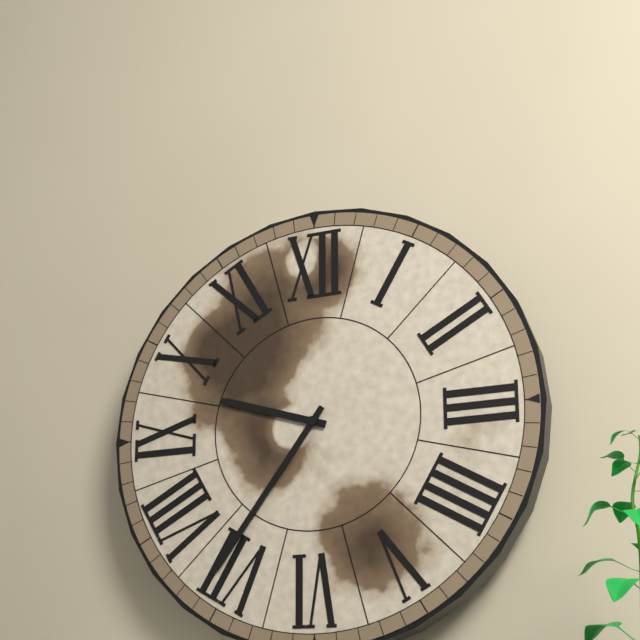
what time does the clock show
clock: 9:36
